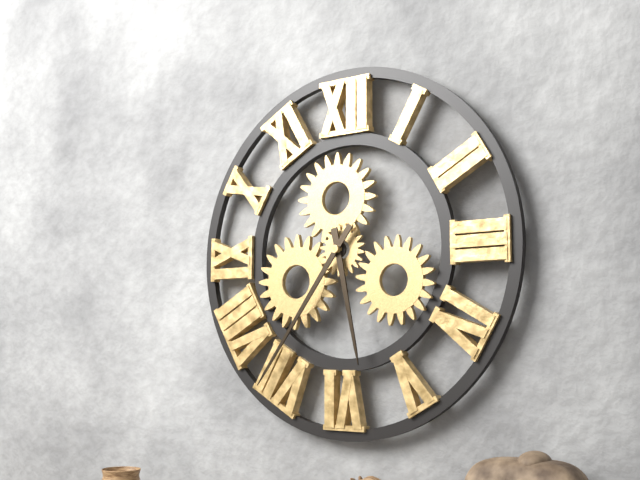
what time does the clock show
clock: 5:36
